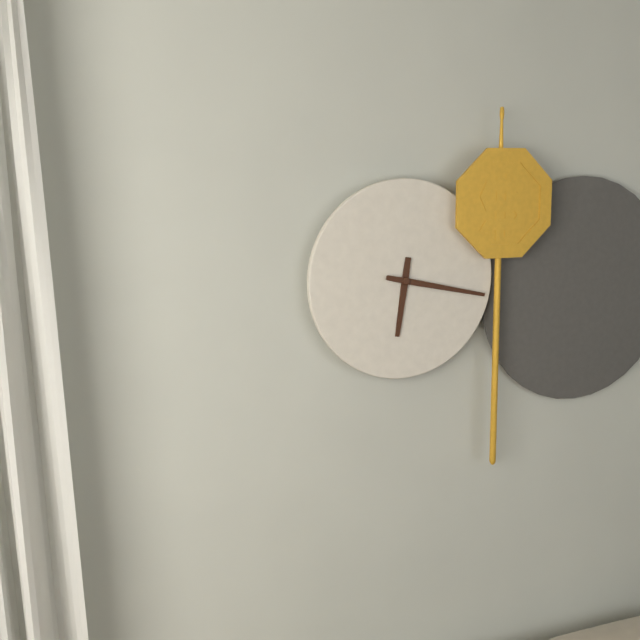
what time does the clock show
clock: 6:17
